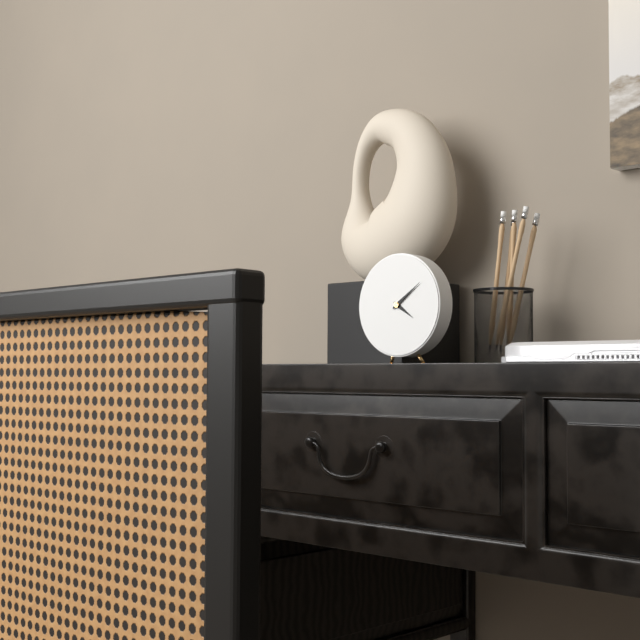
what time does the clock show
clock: 4:09
